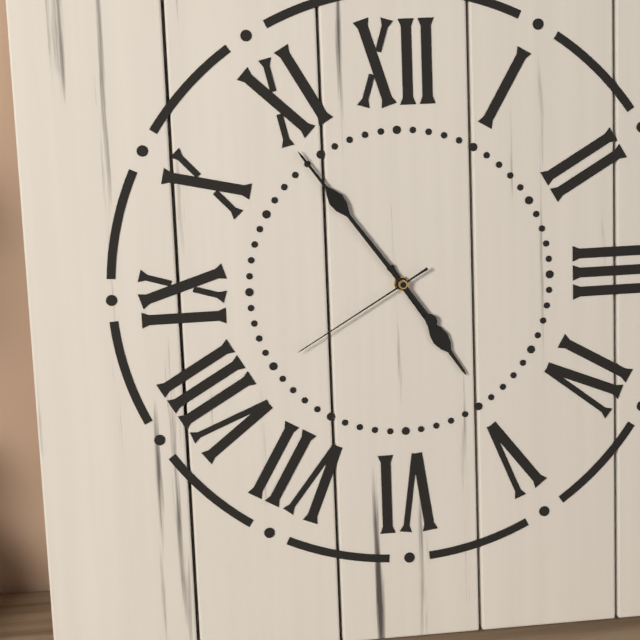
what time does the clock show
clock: 4:54:40
